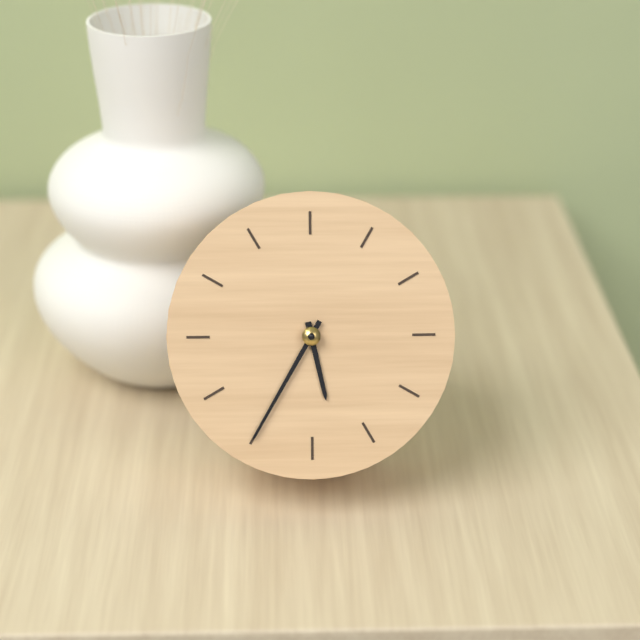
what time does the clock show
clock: 5:35
